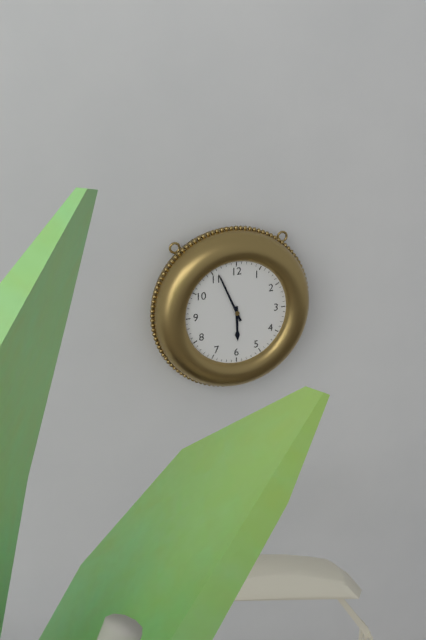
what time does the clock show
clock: 5:56
